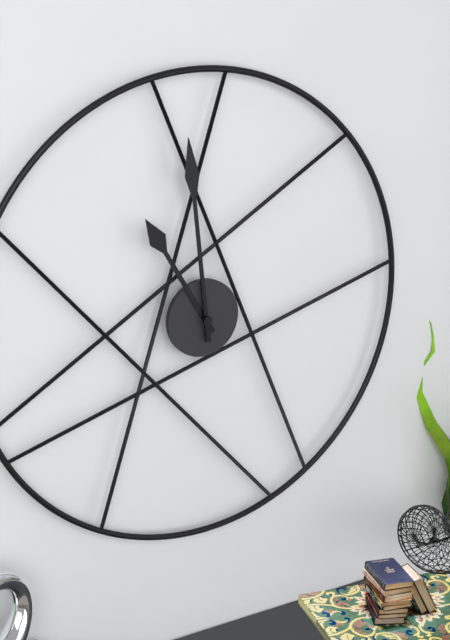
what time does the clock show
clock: 10:59
